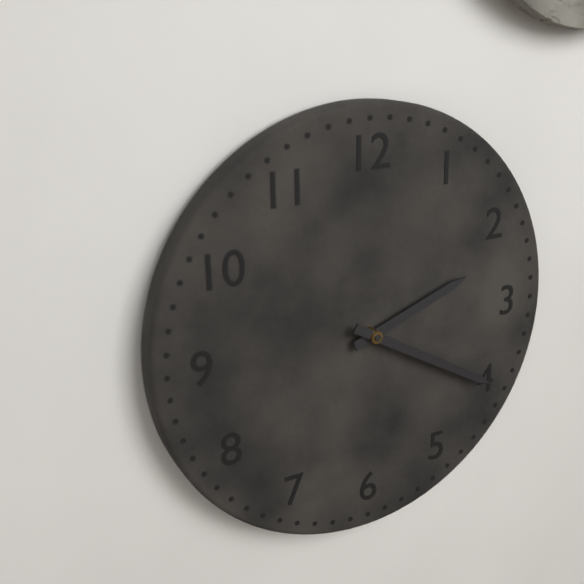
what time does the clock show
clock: 2:20
